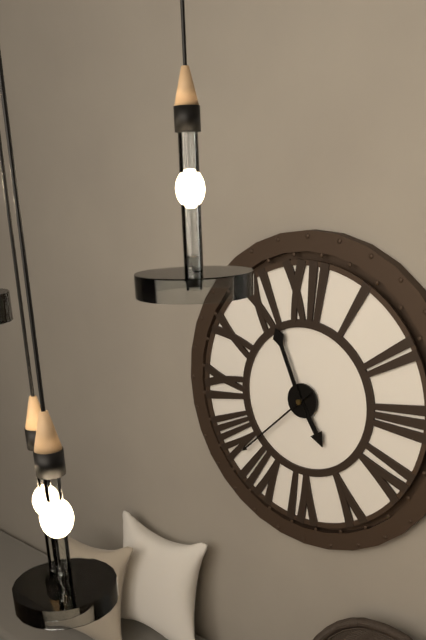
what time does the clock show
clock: 4:56:38
